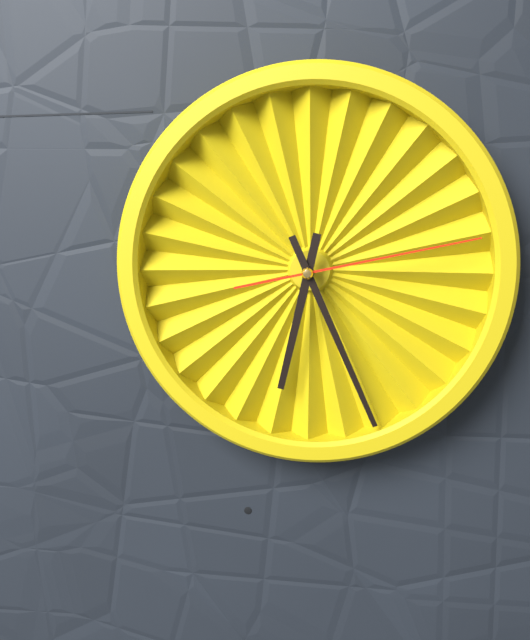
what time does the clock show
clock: 6:26:13
